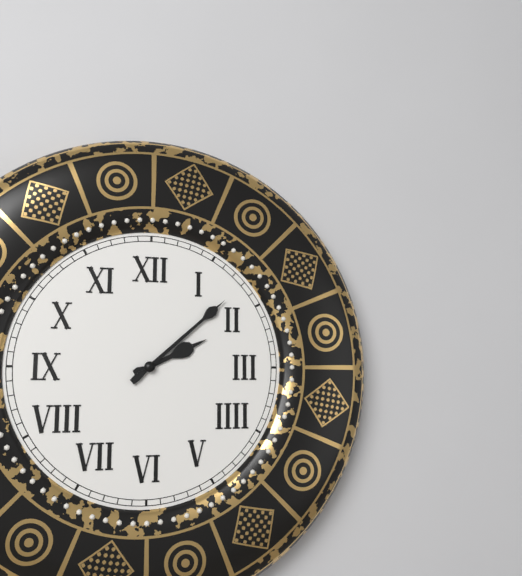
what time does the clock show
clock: 2:08
